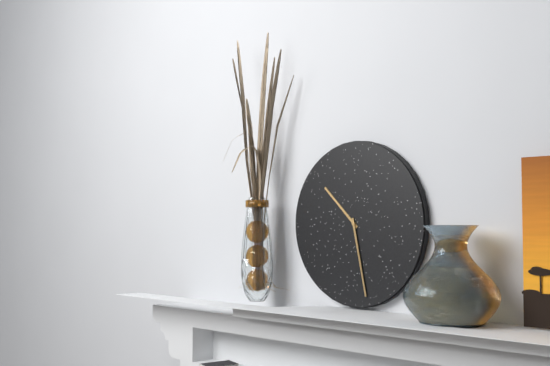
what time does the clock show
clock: 10:28
